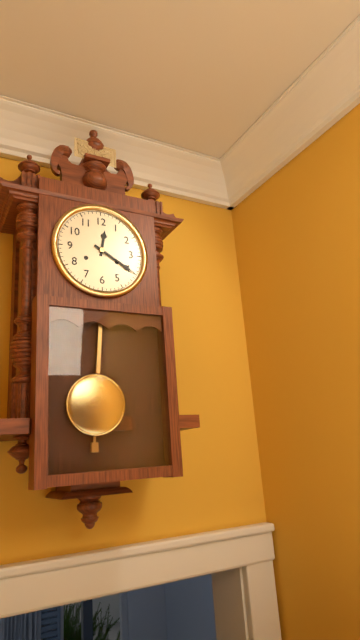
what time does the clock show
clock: 12:20
